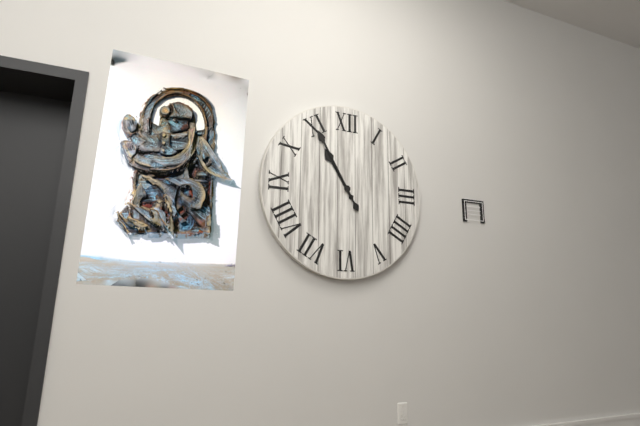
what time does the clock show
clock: 10:55
